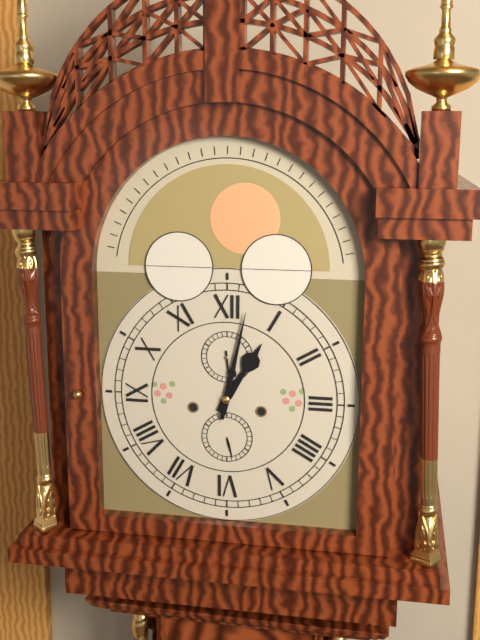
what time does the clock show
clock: 1:02
